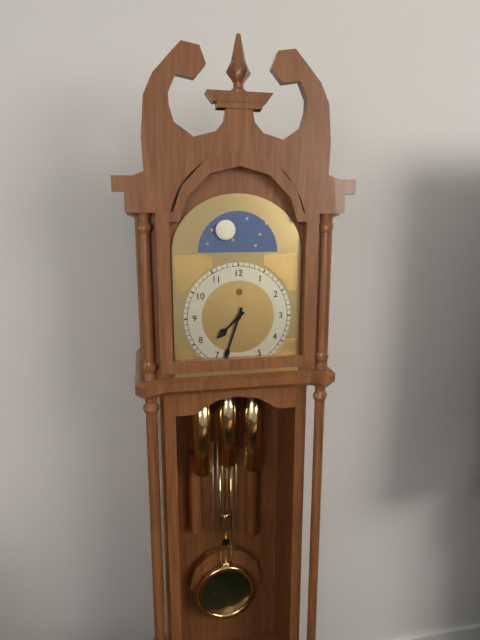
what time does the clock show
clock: 7:33
